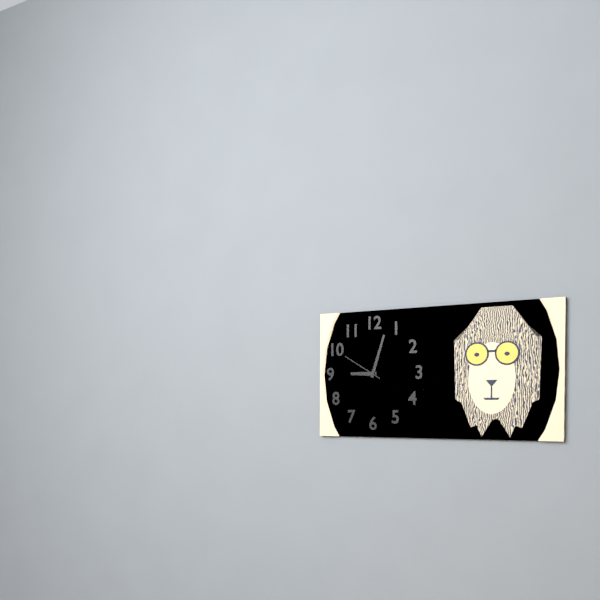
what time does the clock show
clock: 9:03
